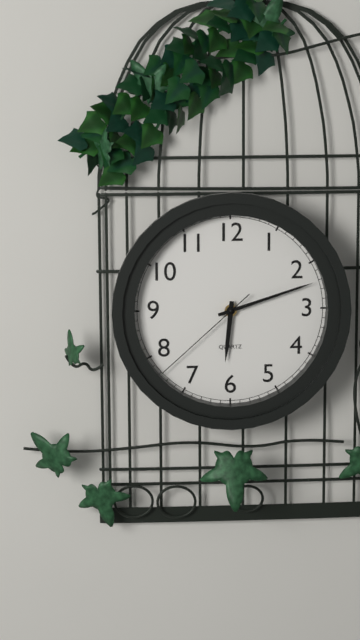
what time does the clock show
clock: 6:12:38
